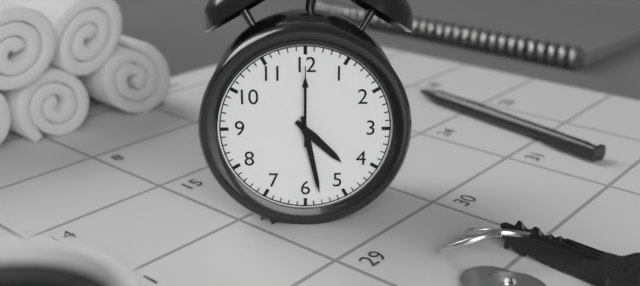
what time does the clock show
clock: 4:28:00
